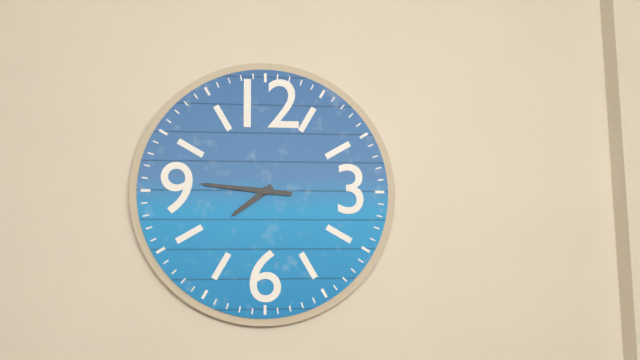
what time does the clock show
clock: 7:46
